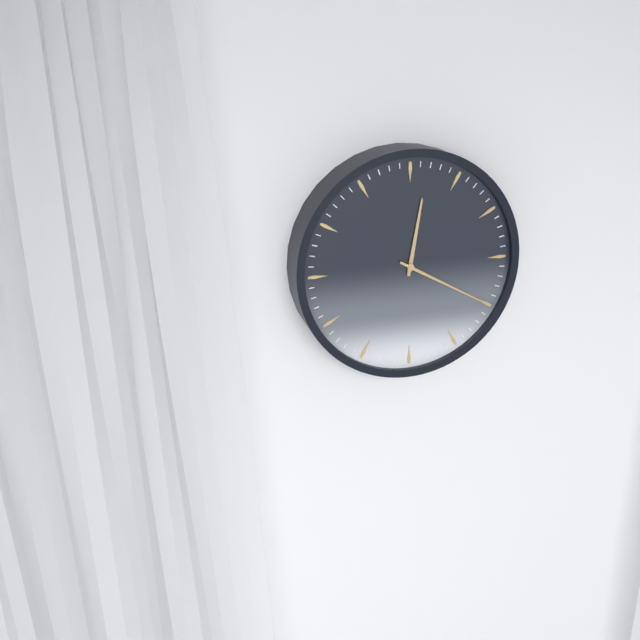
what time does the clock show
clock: 12:20
